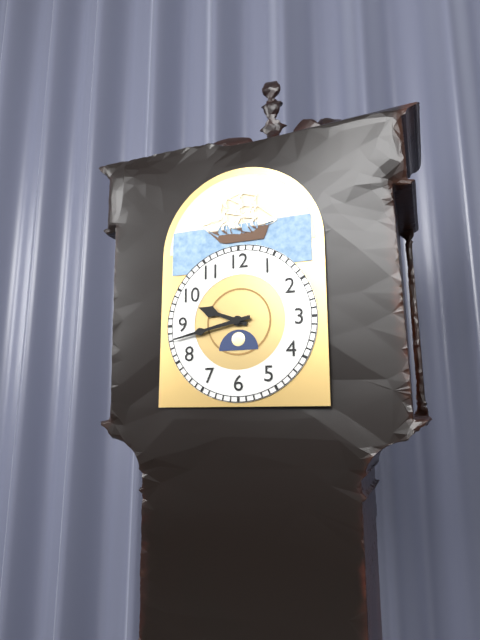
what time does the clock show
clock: 9:43
